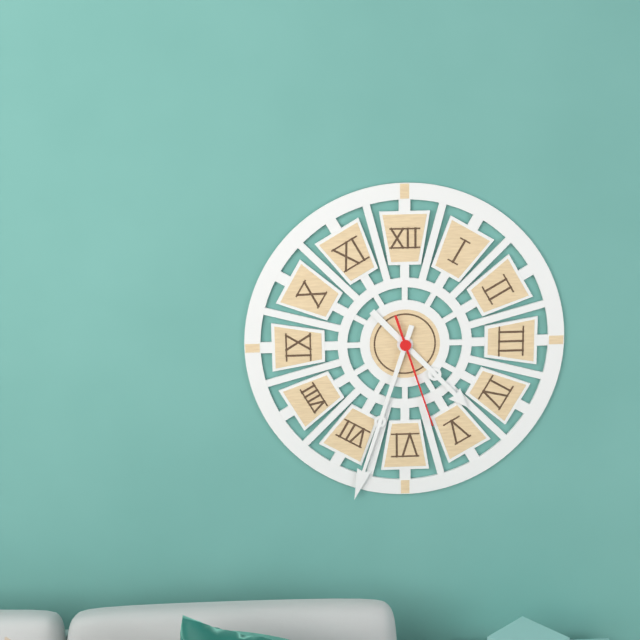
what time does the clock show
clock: 4:33:27
